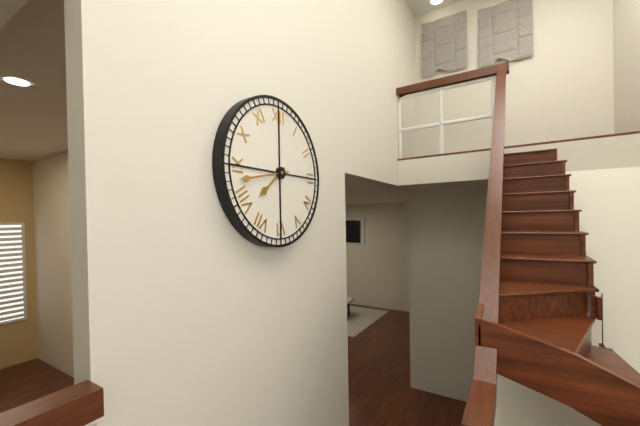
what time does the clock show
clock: 7:43
